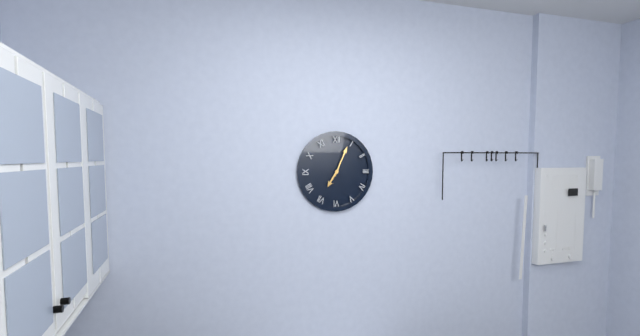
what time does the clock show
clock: 7:04
